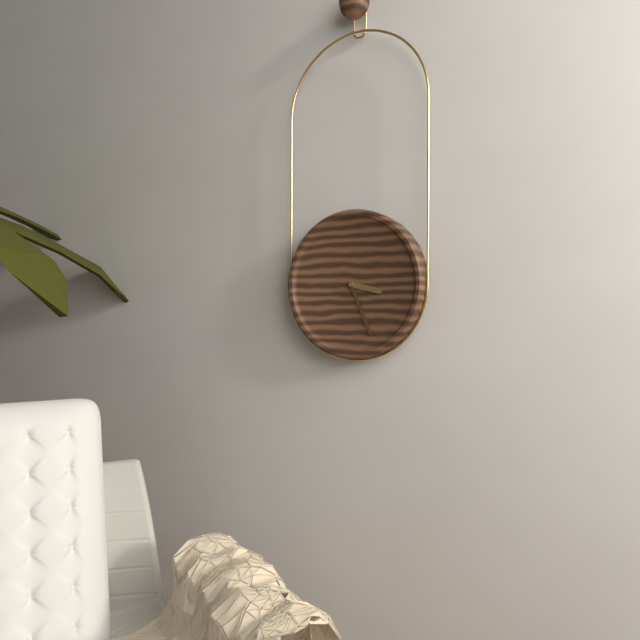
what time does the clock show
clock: 3:26
